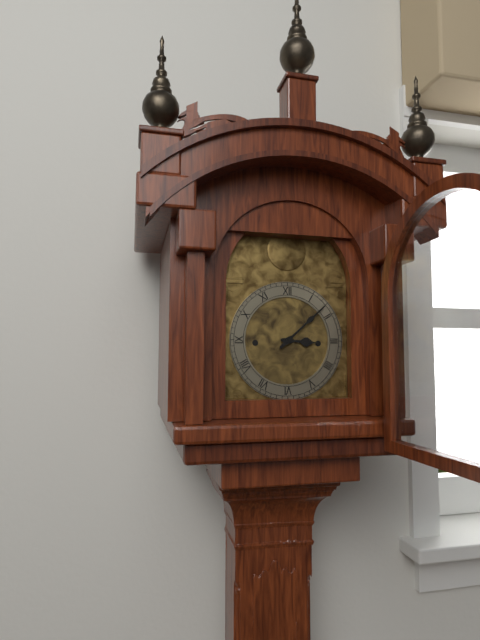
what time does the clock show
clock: 3:08
